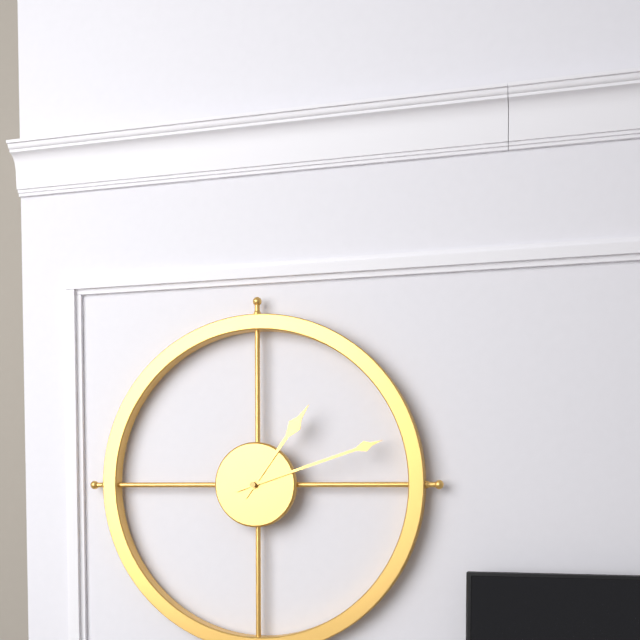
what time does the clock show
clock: 1:12
